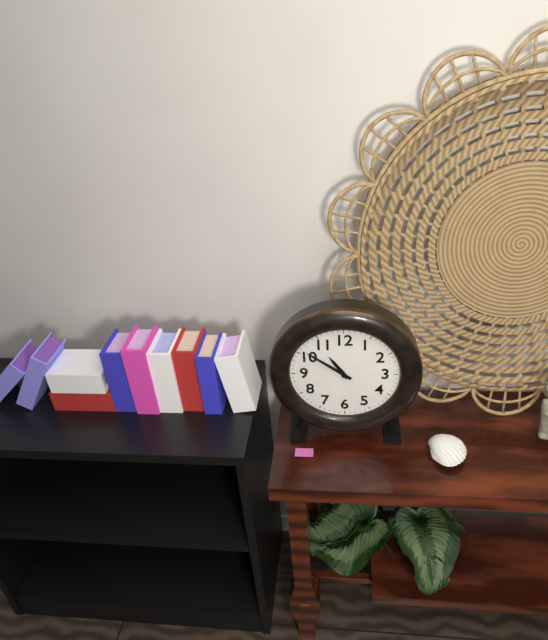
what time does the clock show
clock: 10:51
